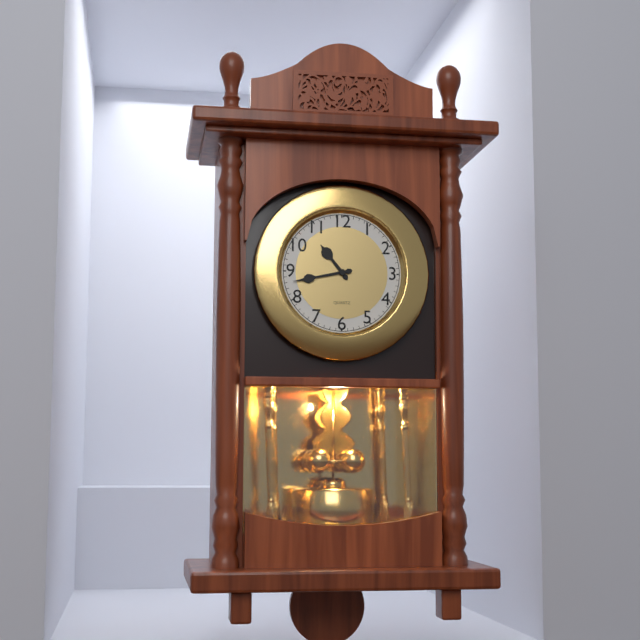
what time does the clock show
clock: 10:43
